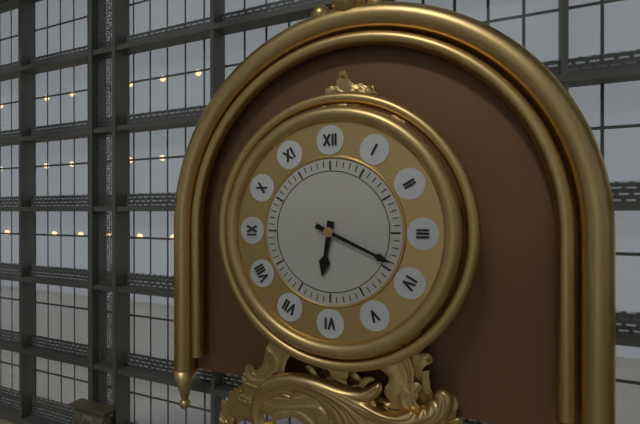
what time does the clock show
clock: 6:19
